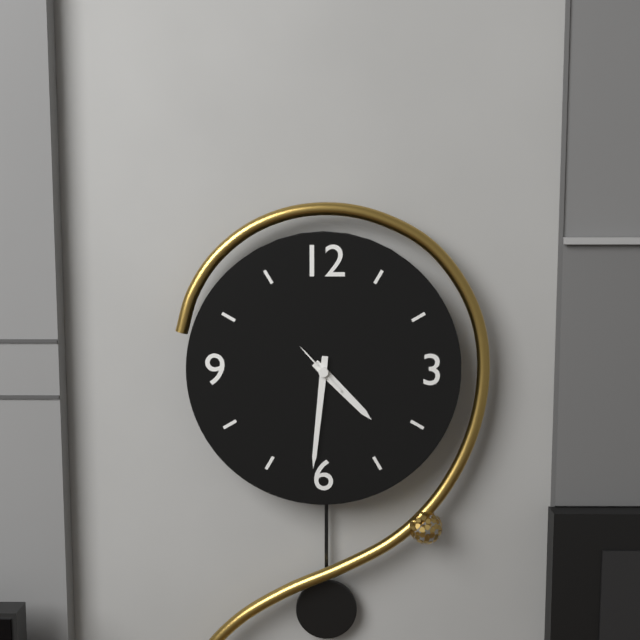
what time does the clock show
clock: 4:31
